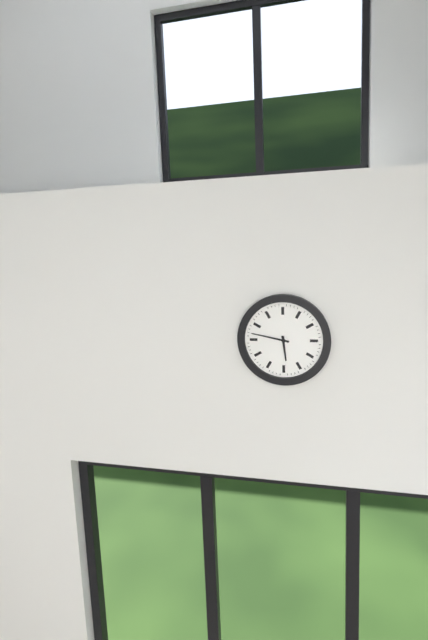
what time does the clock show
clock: 5:47
